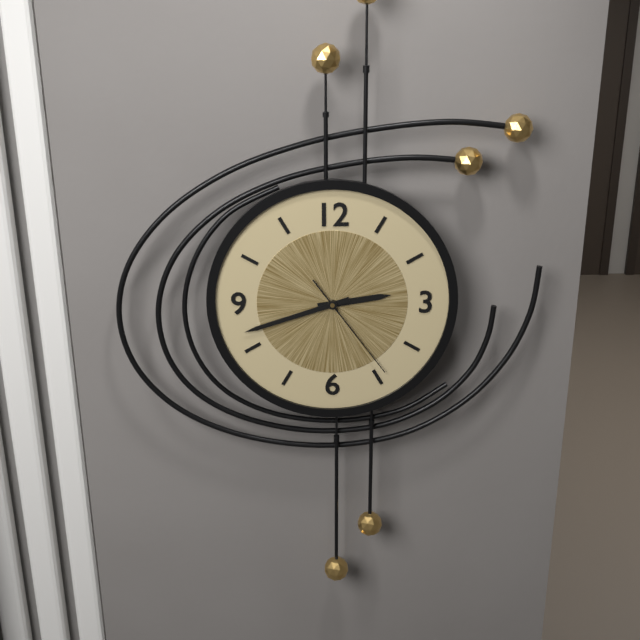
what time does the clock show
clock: 2:42:24
